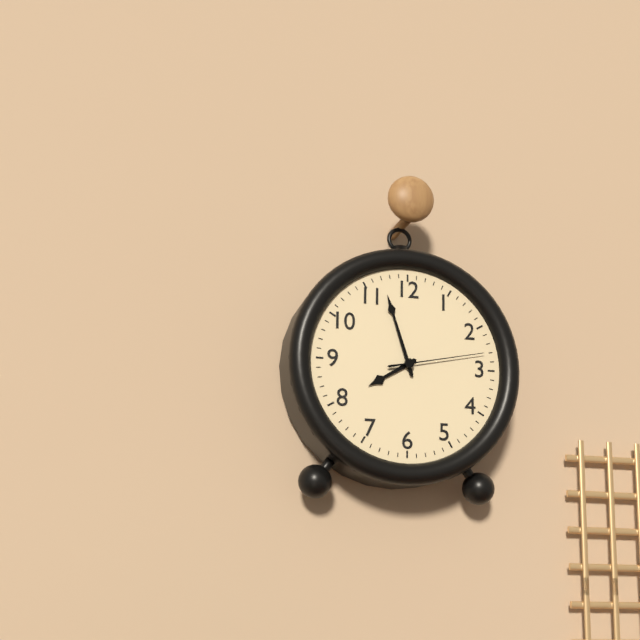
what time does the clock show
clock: 7:57:13
